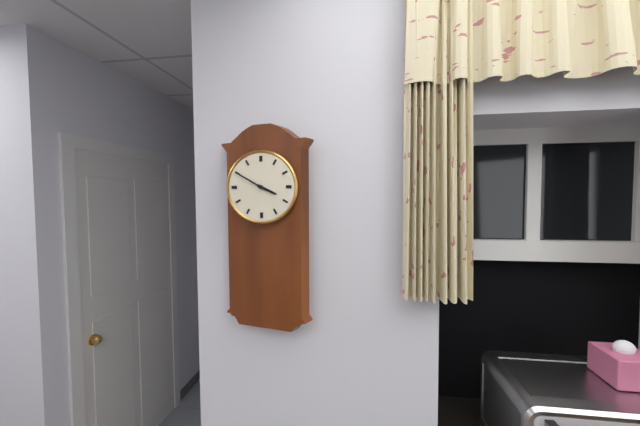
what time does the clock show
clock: 3:50
